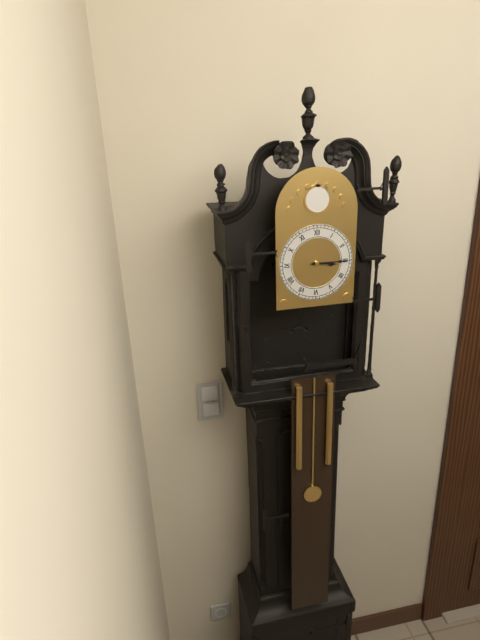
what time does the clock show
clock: 3:15
